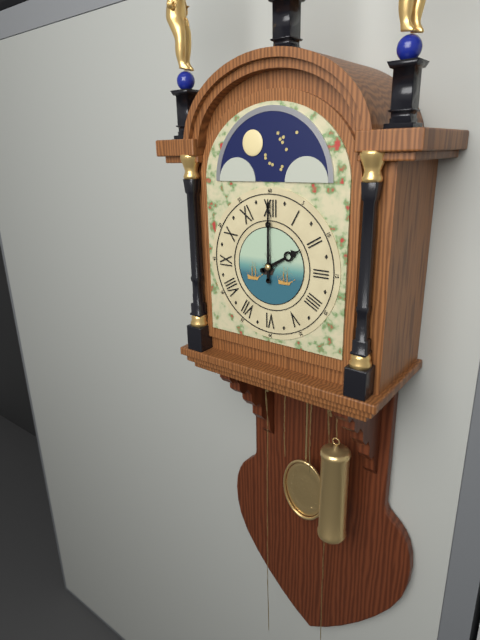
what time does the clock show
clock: 2:00
